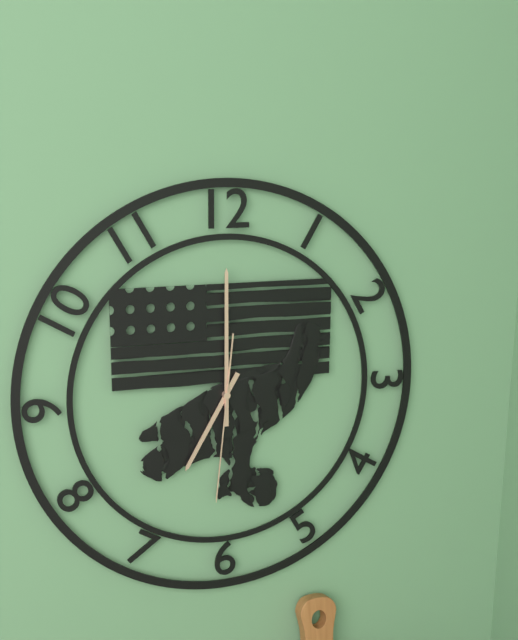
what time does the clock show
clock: 7:00:31
